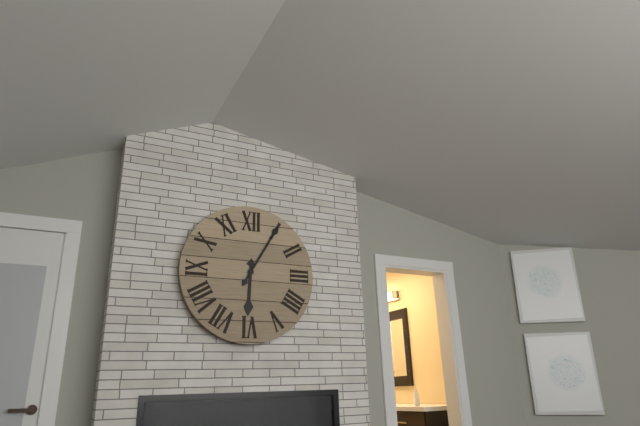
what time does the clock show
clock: 6:05
